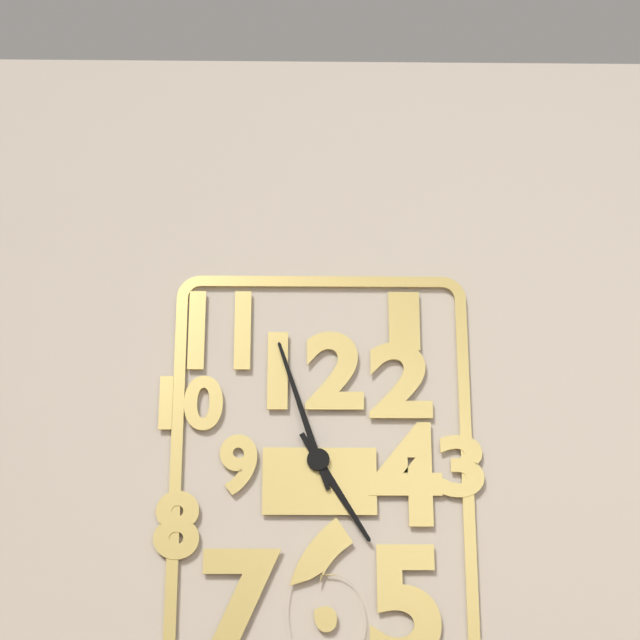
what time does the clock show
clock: 4:57
